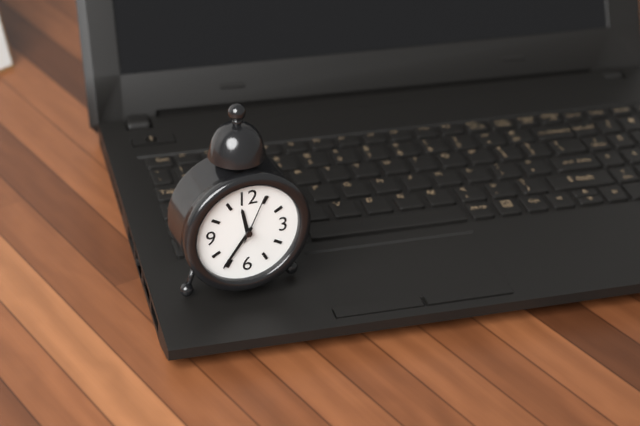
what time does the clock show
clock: 11:36:04
